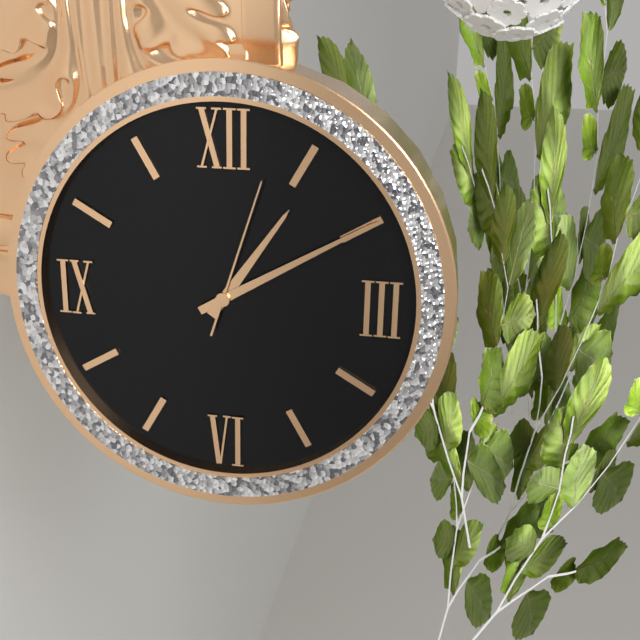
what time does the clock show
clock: 1:10:03
